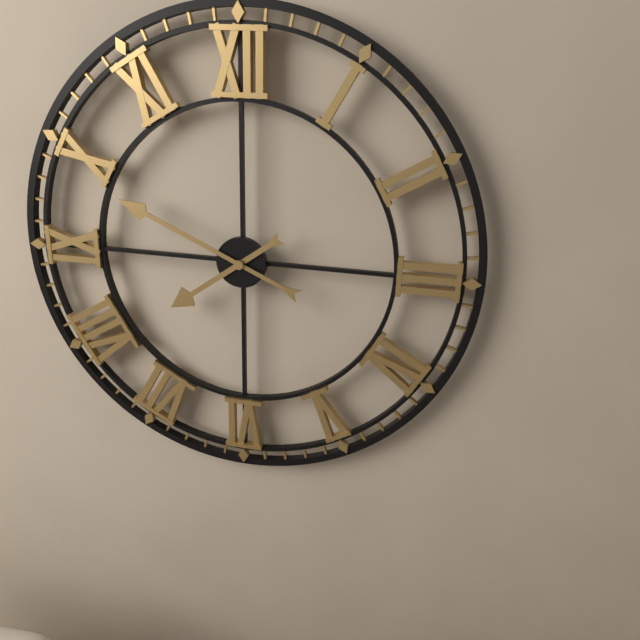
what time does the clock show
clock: 7:49
